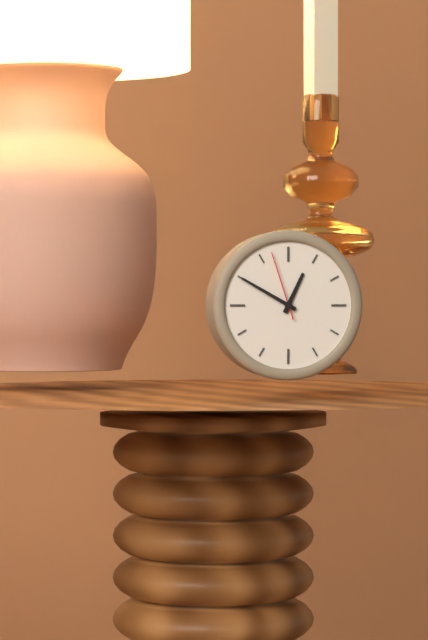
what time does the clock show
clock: 12:50:57
